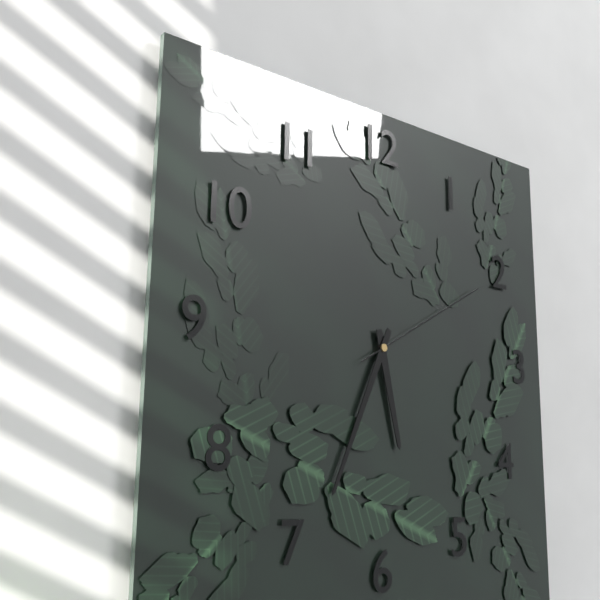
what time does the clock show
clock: 5:34:10
